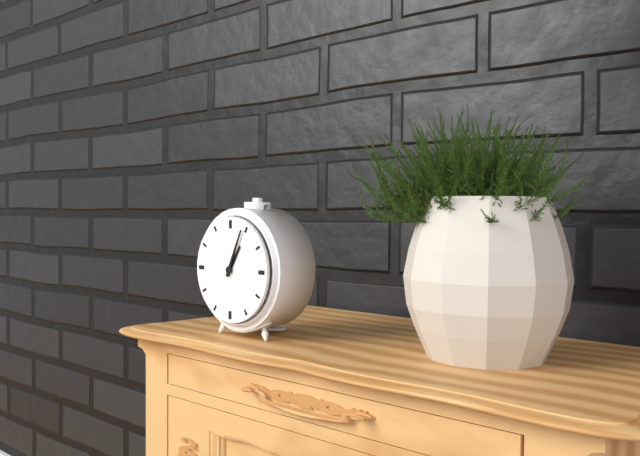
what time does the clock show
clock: 1:04
